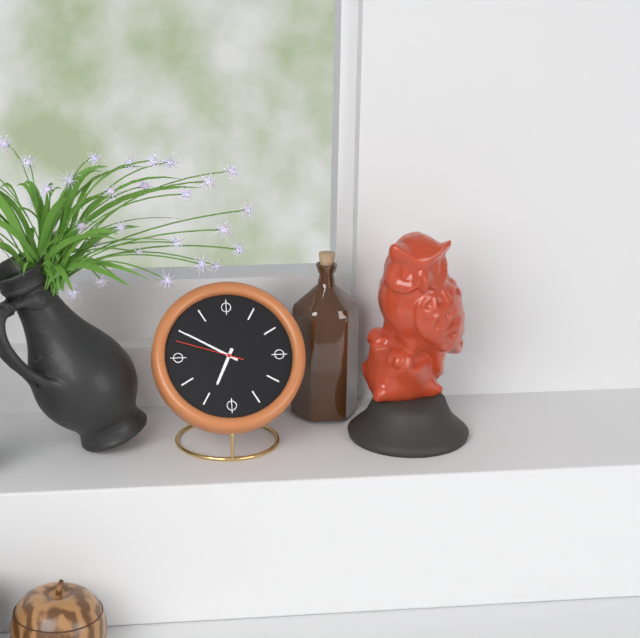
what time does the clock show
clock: 6:50:48
